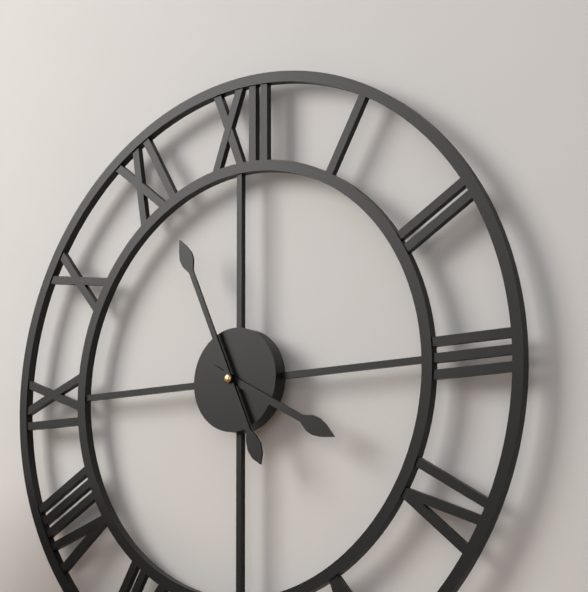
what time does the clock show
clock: 3:56
